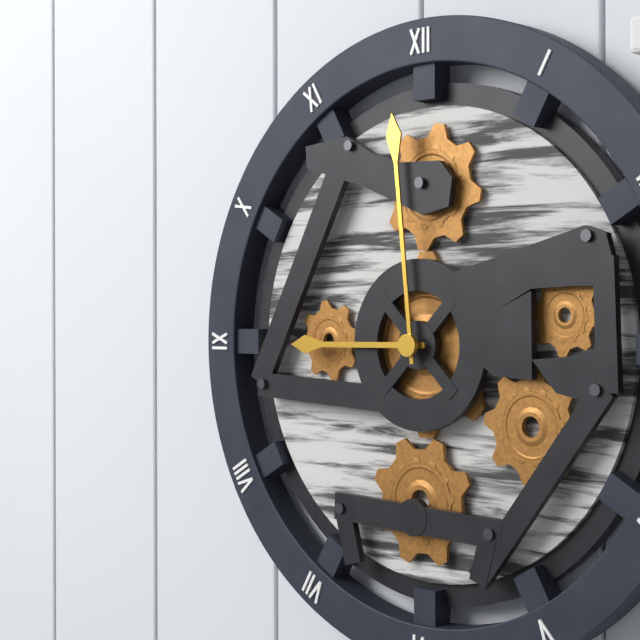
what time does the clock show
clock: 8:59
